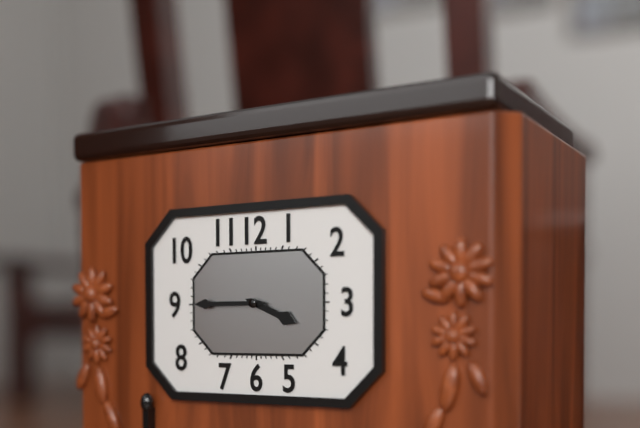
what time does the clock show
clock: 3:45
